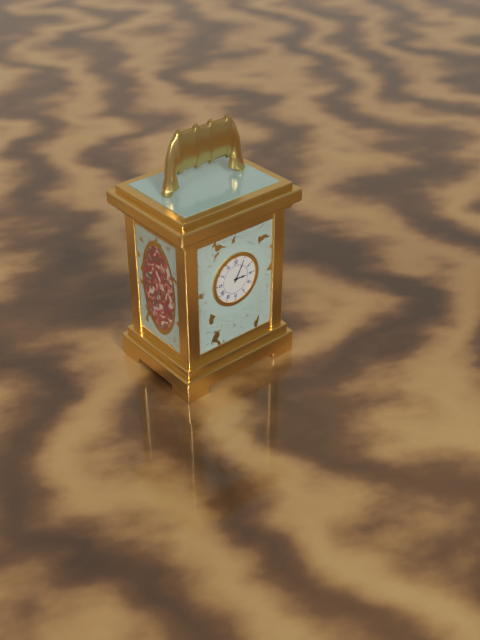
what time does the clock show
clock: 3:05
